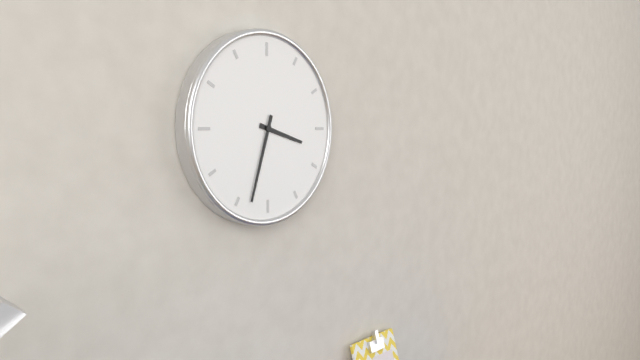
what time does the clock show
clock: 3:33
